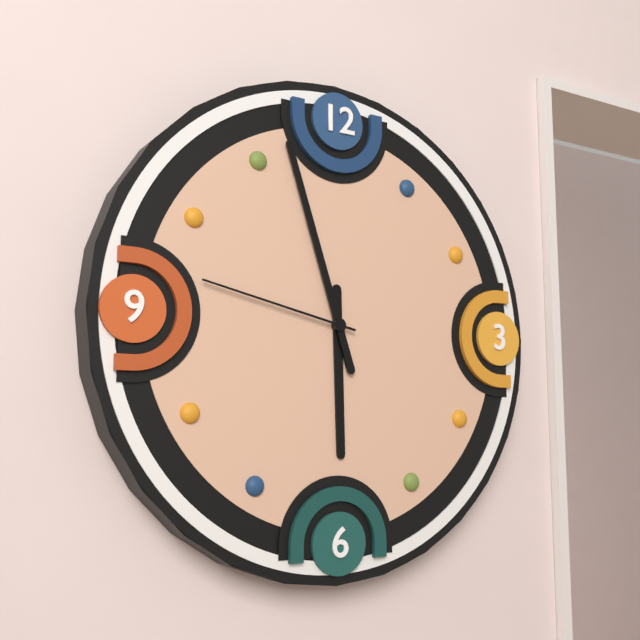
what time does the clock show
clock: 5:57:47
